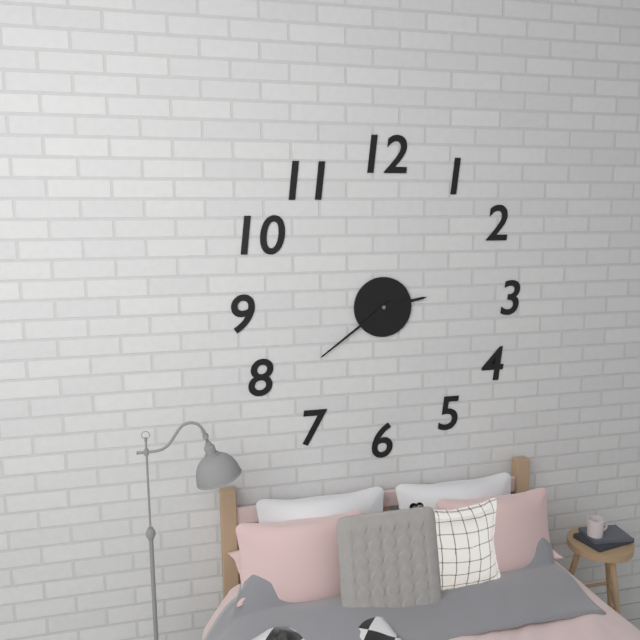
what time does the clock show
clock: 2:39
